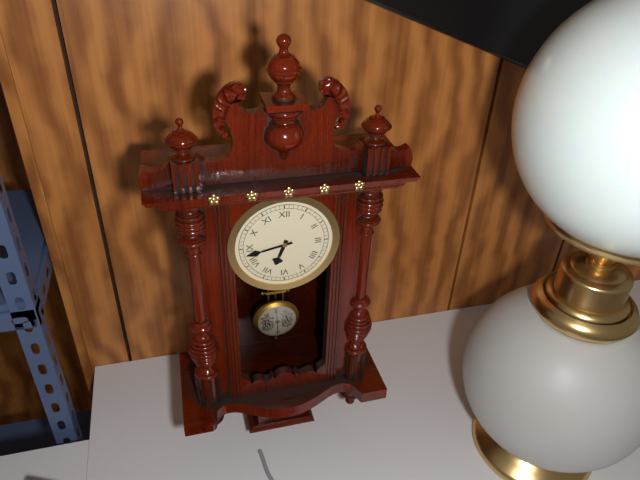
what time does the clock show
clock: 6:43
